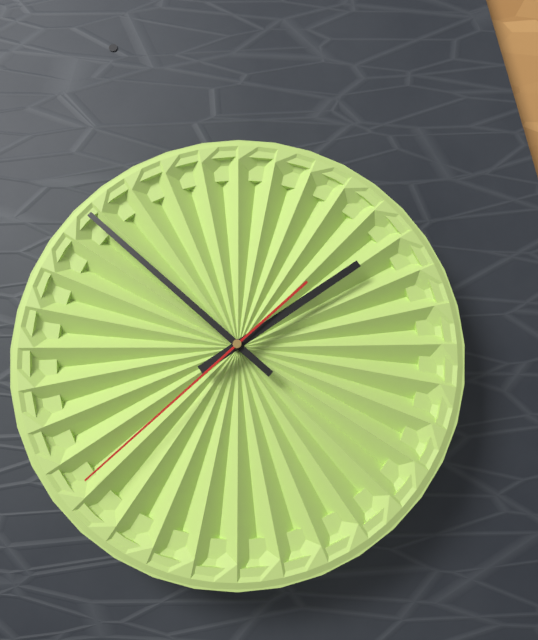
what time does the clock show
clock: 1:52:38
